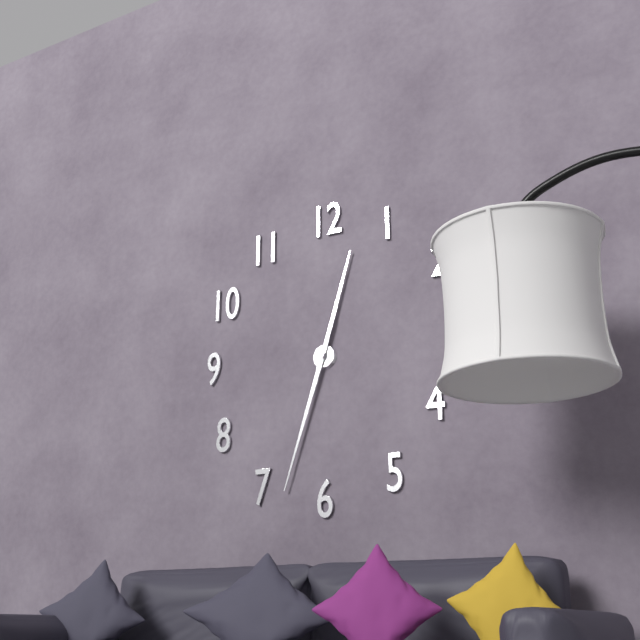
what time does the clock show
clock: 12:33
